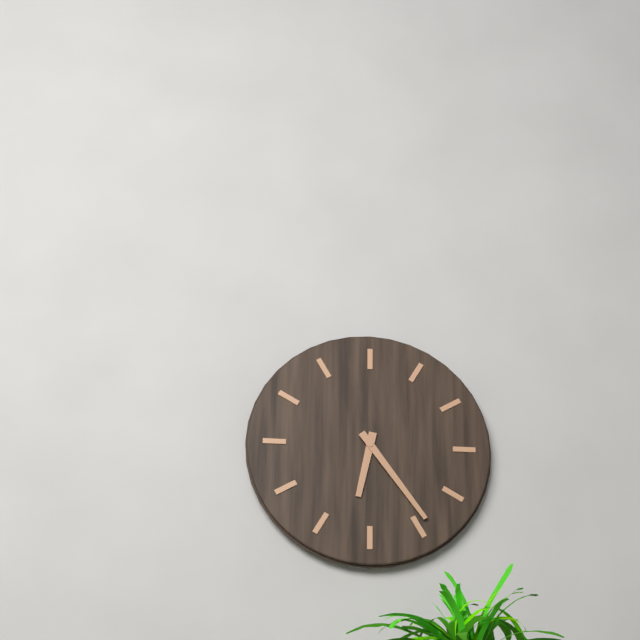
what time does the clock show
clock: 6:24
